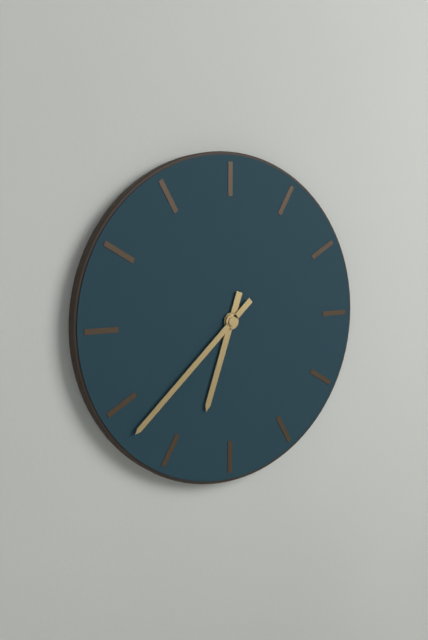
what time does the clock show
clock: 6:38
